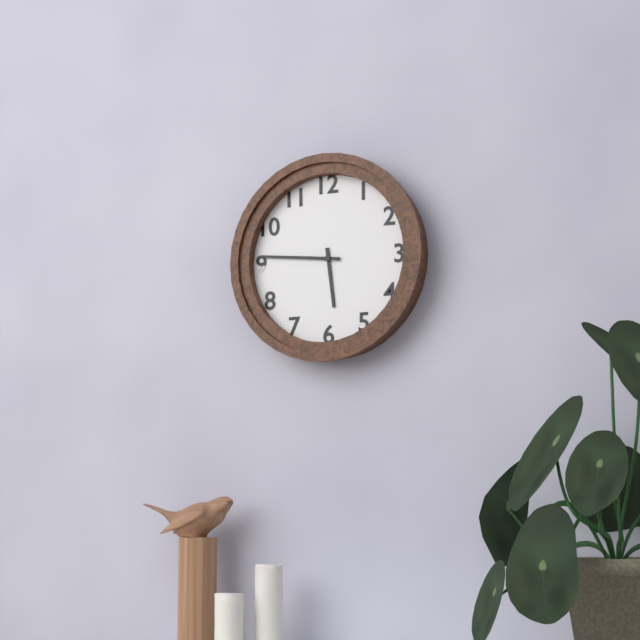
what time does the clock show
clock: 5:46
